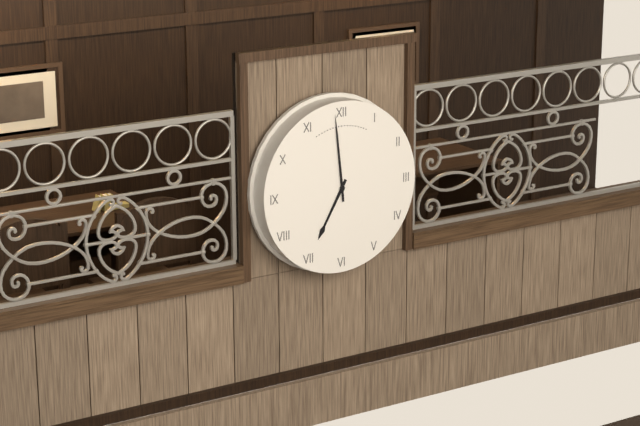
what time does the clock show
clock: 6:59
